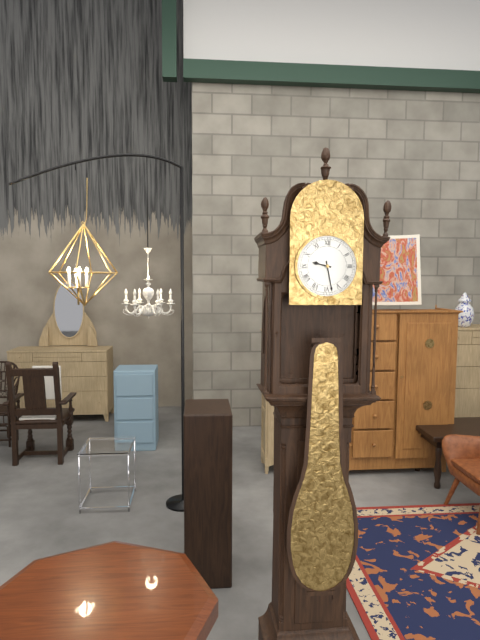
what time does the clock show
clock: 9:28
